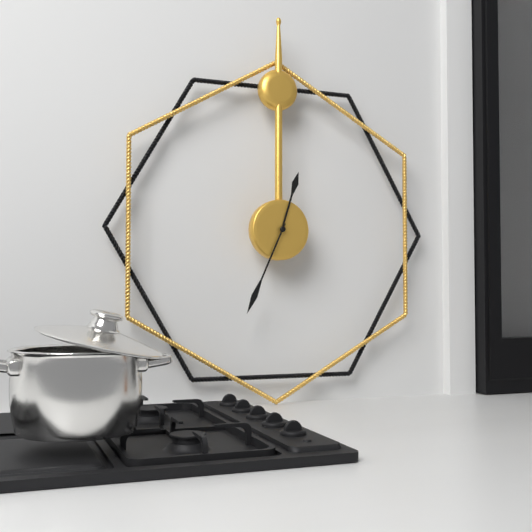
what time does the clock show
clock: 12:34
